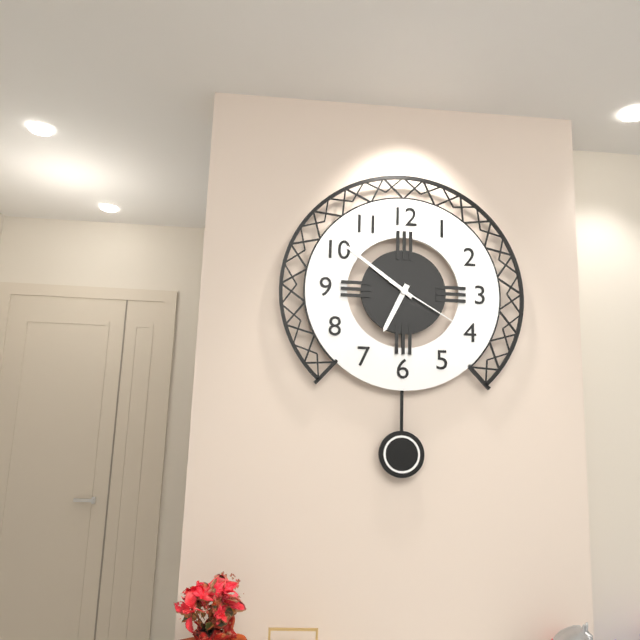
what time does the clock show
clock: 6:51:20
